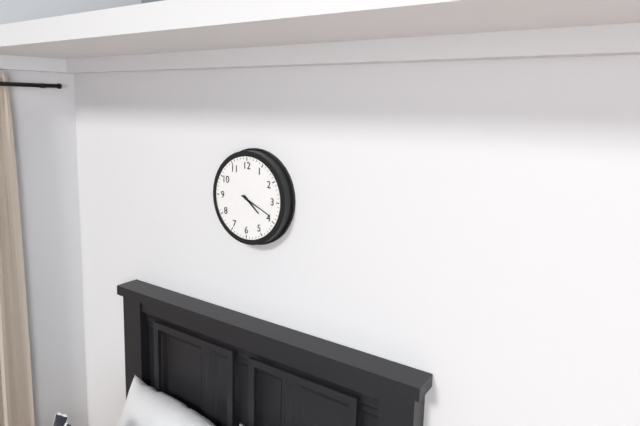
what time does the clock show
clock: 4:19
